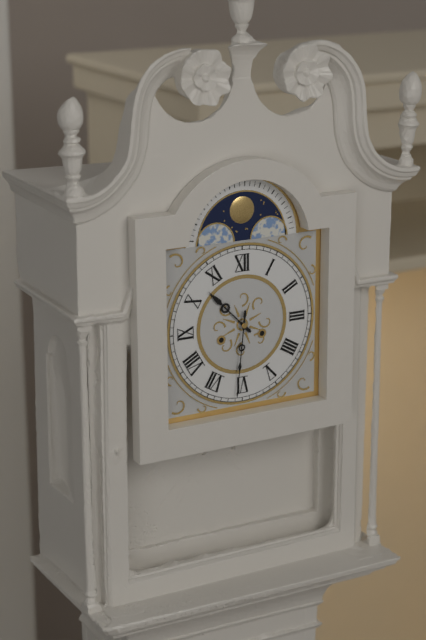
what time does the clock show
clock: 10:31
